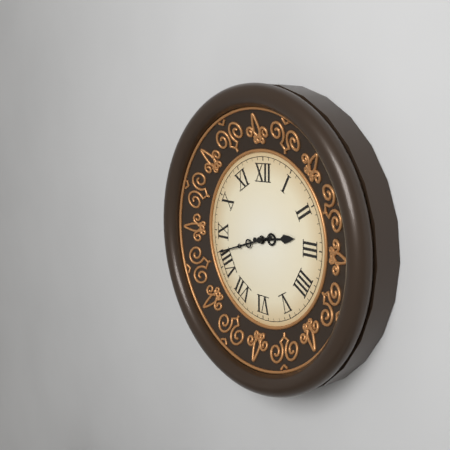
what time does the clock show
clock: 2:42
